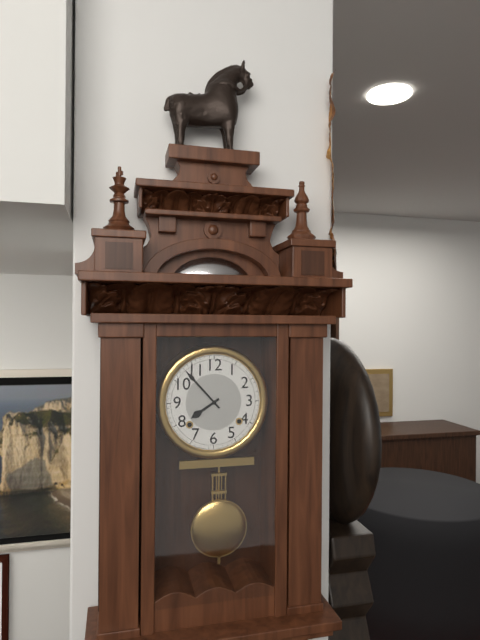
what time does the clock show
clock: 7:53
